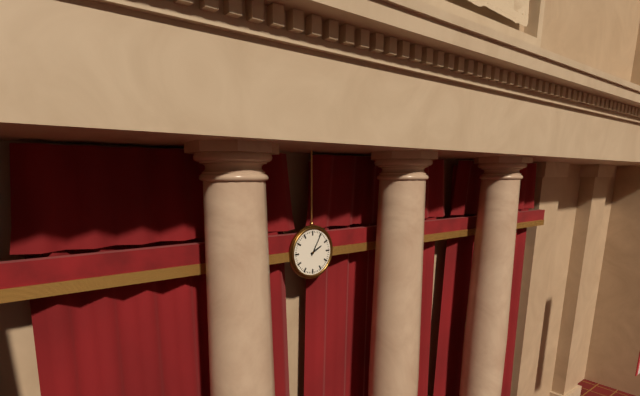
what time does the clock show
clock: 2:05
